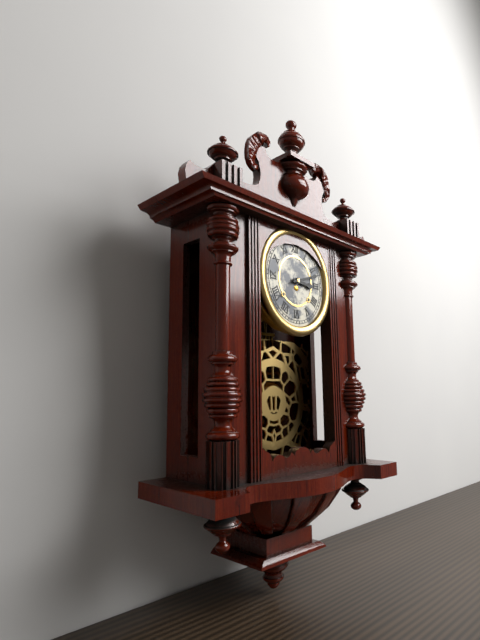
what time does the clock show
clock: 3:12
